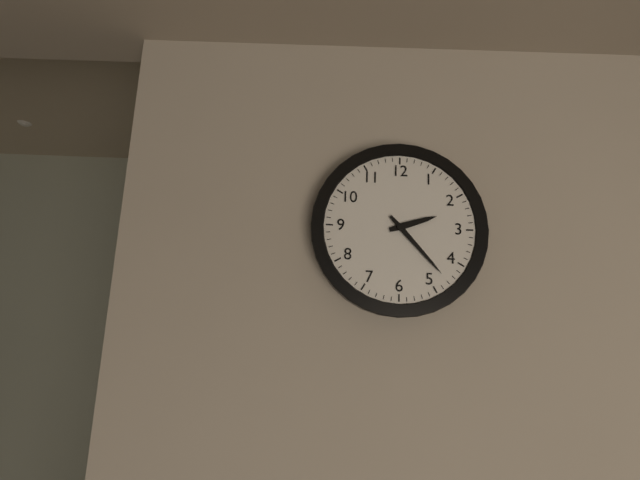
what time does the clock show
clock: 2:23
